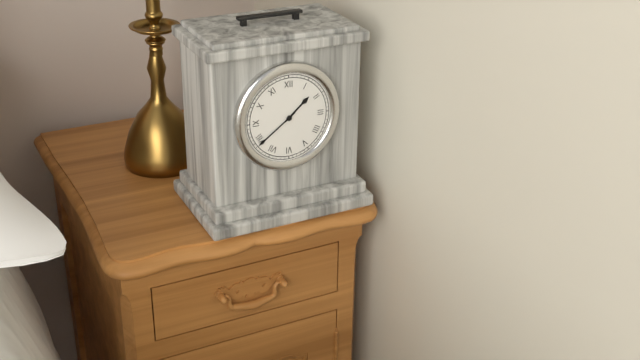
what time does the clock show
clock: 1:39
